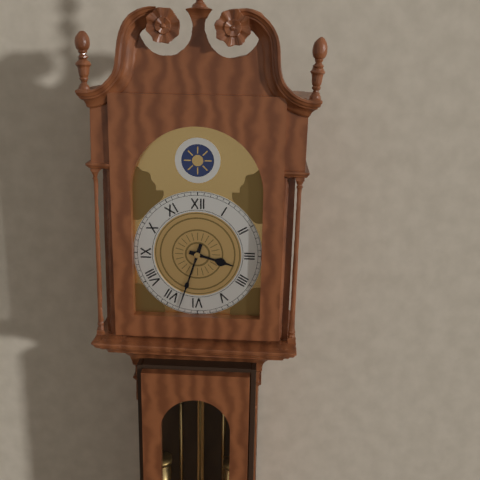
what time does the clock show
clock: 3:33
